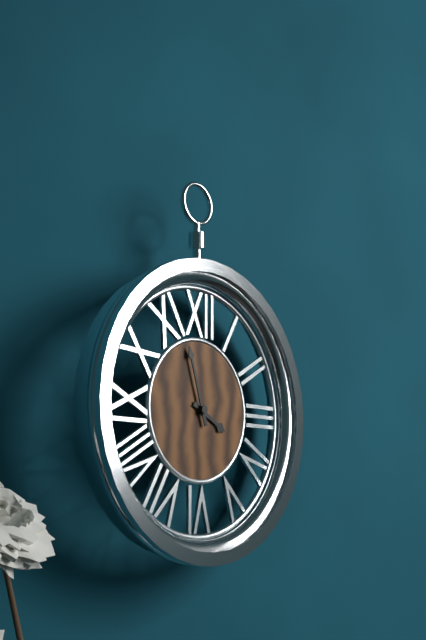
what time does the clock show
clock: 3:57
